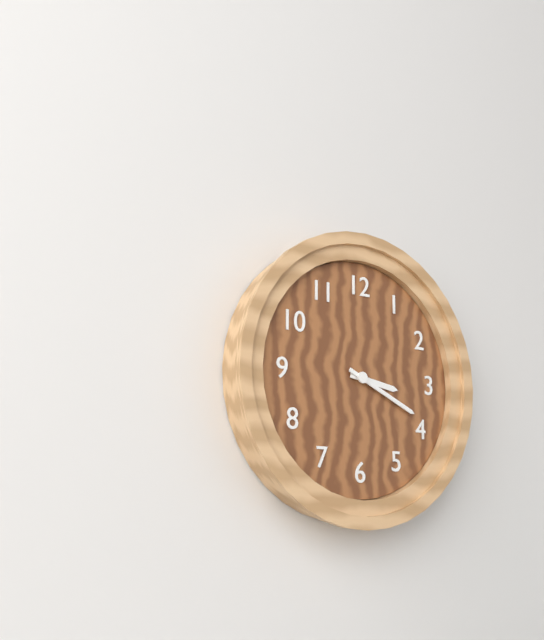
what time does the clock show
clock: 3:19
